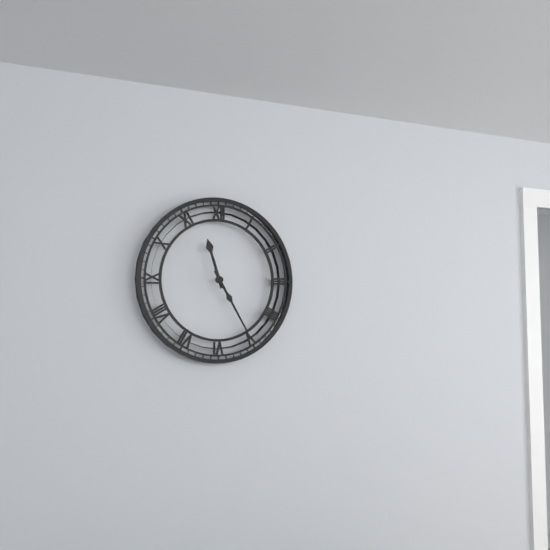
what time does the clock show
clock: 11:25
